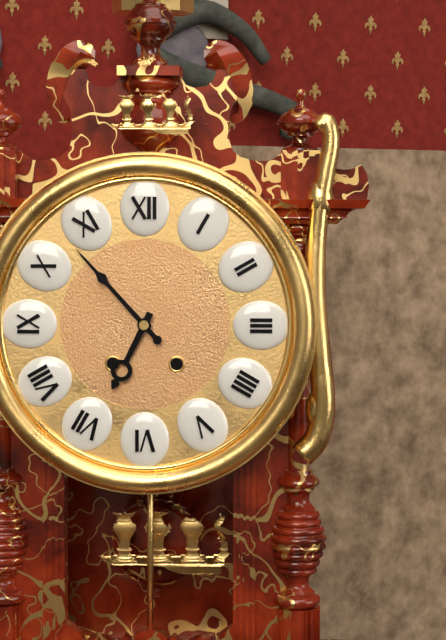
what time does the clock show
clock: 6:53
